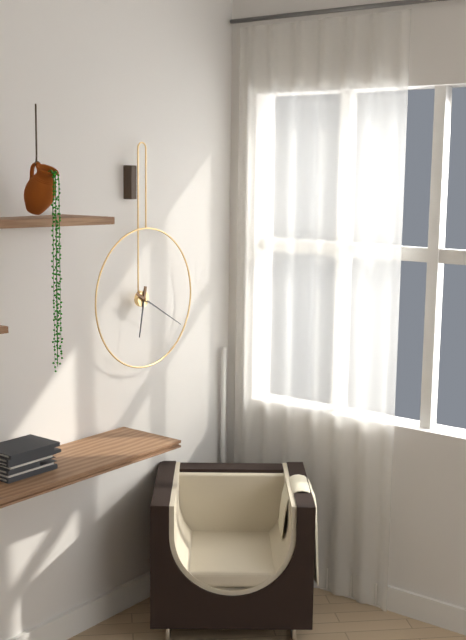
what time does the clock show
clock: 6:20
